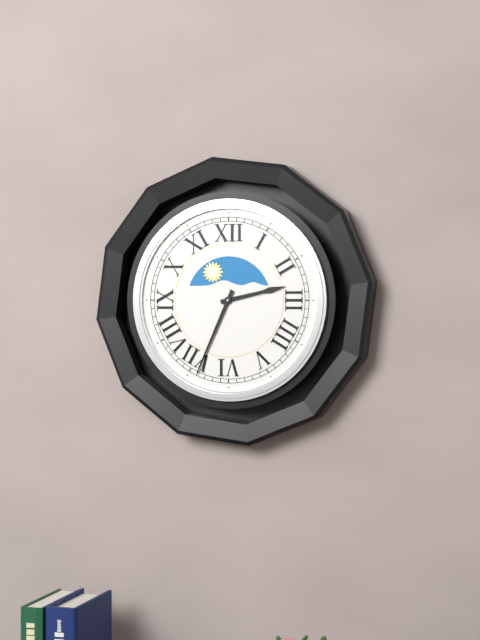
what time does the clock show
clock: 2:34
